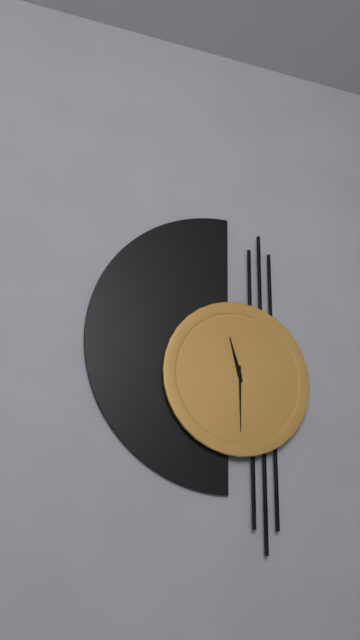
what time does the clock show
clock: 11:30
